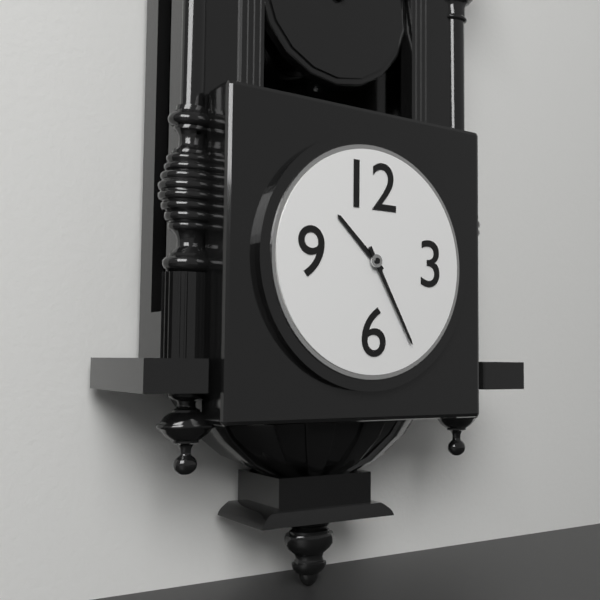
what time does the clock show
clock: 10:25
